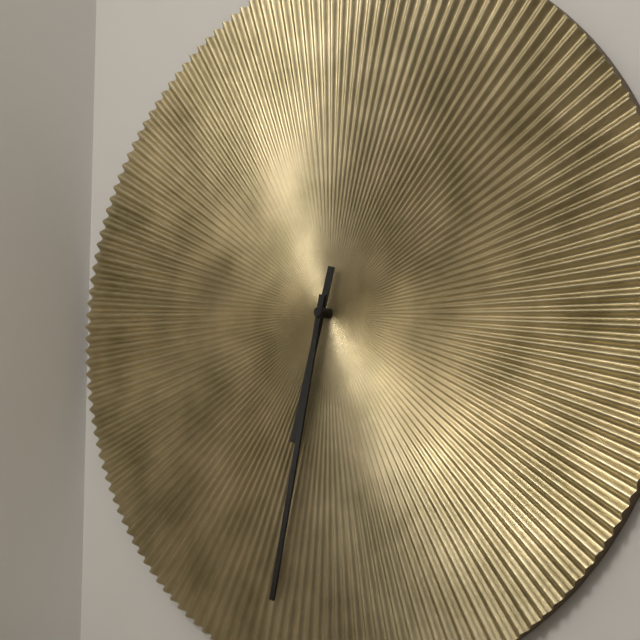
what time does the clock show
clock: 6:32
